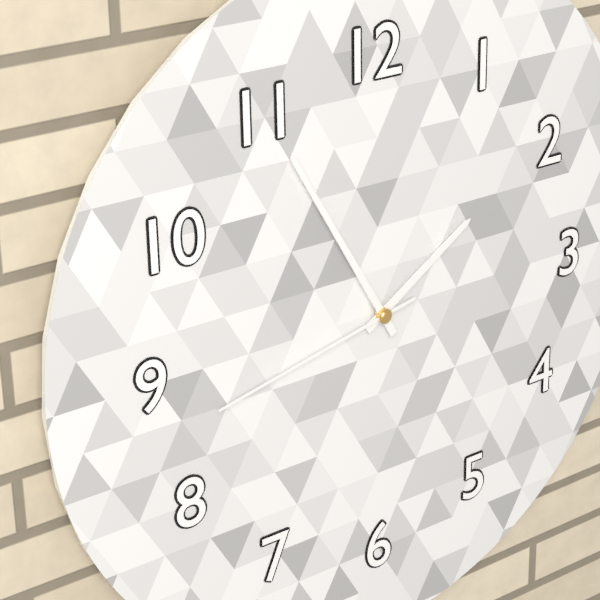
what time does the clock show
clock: 1:55:43
